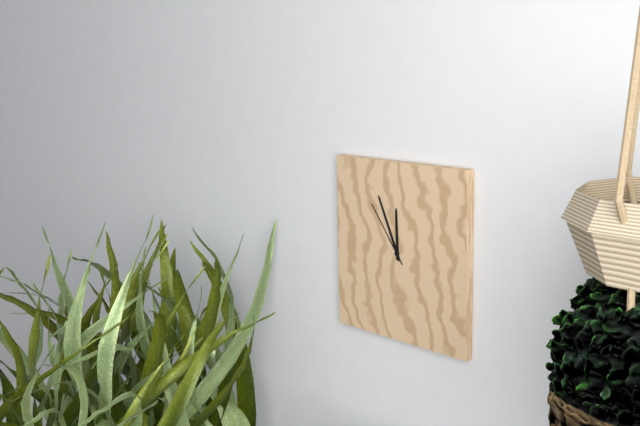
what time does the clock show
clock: 11:56:54
